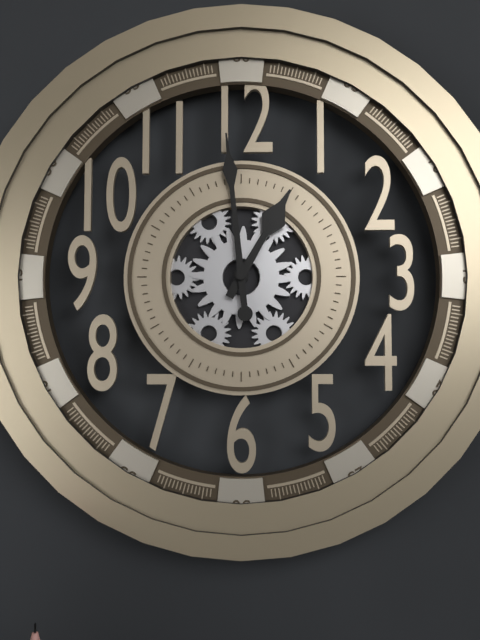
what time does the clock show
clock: 12:59
